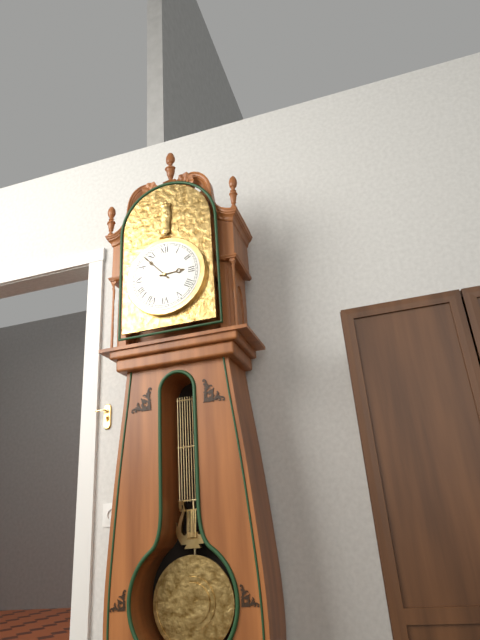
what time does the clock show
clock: 2:53
